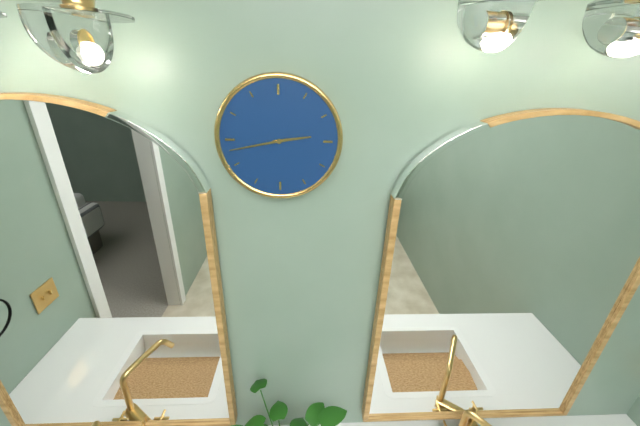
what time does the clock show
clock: 2:43
